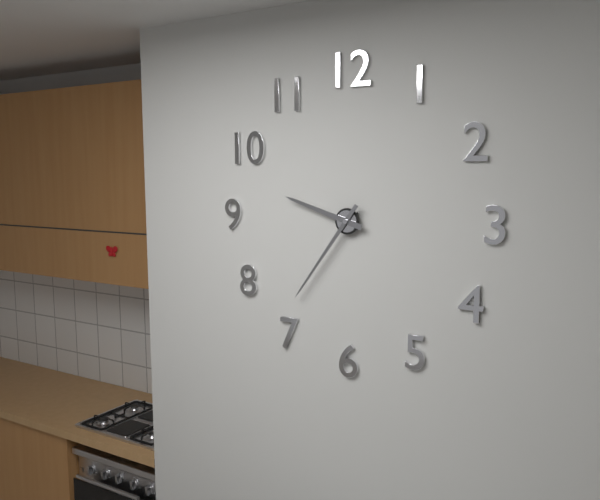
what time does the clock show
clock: 9:36
